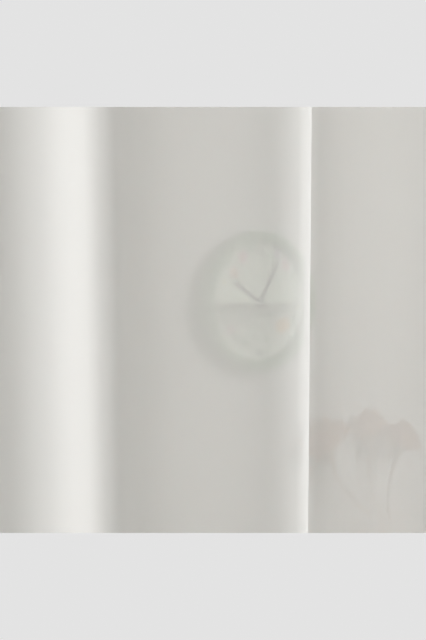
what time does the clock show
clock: 10:05
